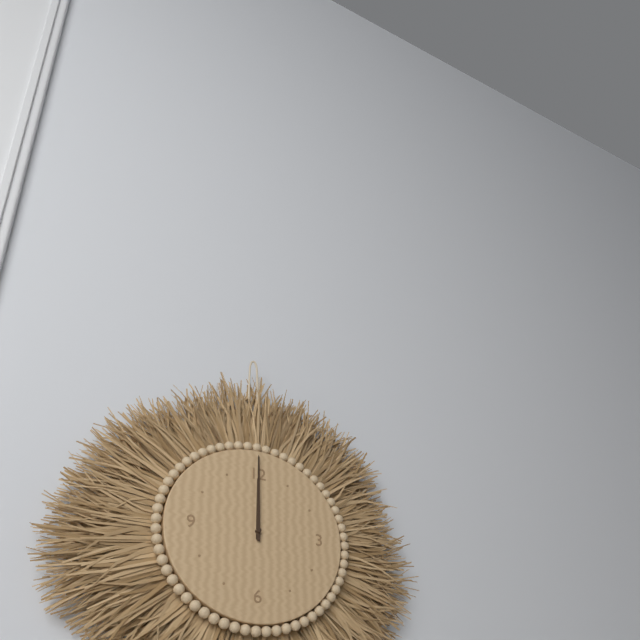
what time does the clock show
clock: 12:00
